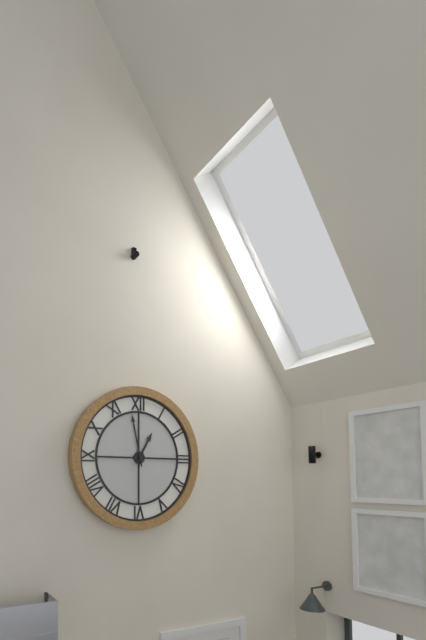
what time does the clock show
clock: 12:58
